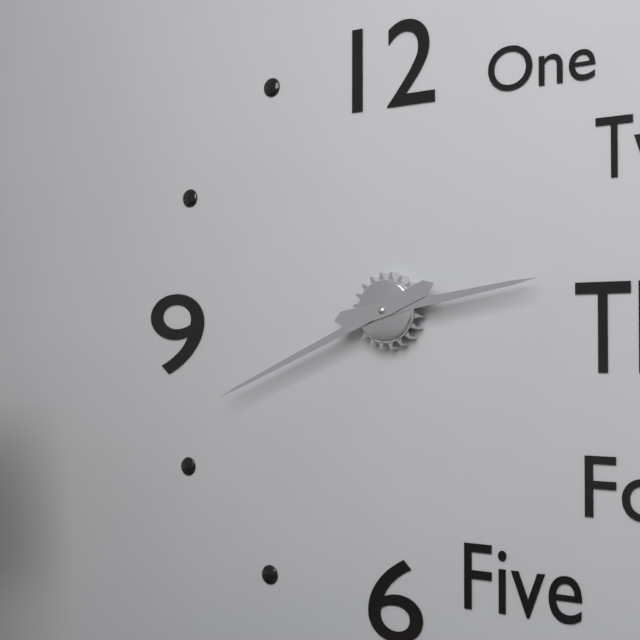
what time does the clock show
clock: 2:41
